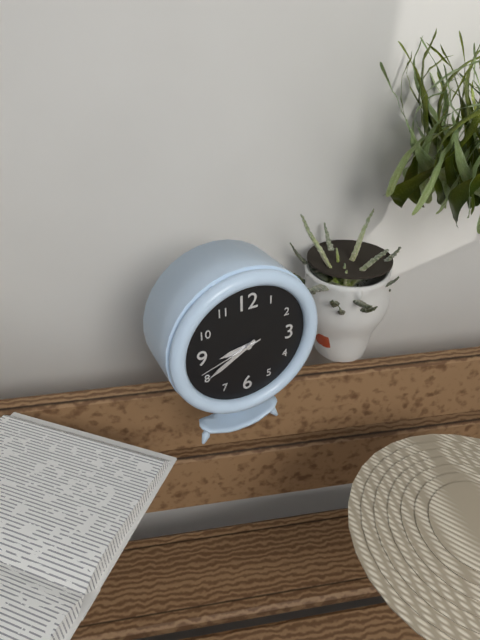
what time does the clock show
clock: 8:40:42
